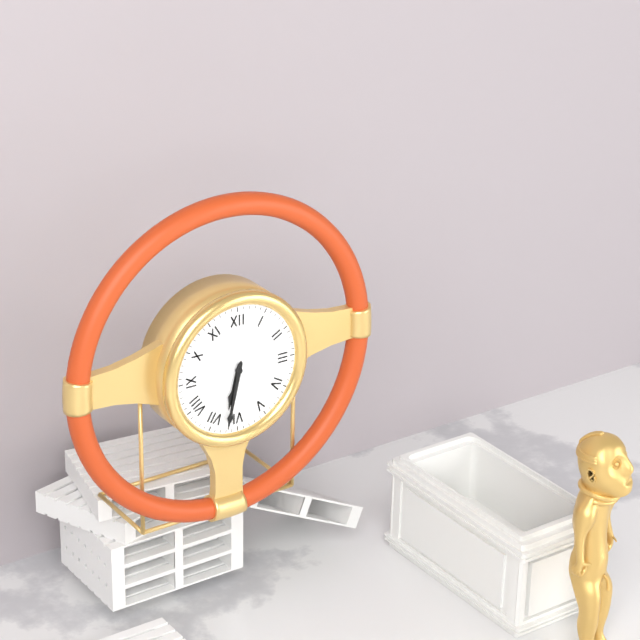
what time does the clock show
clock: 6:32
